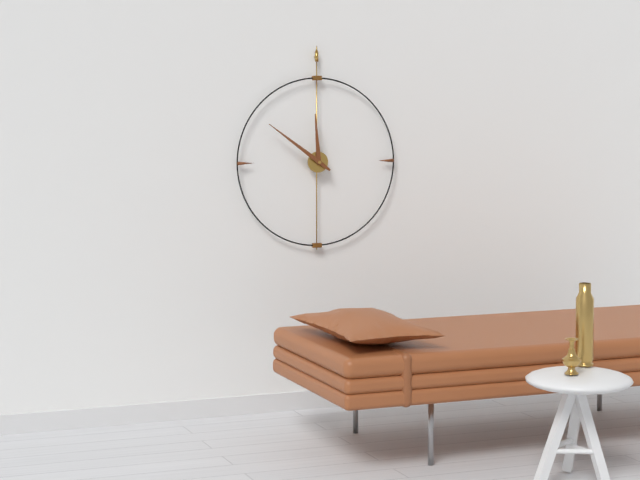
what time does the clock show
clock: 11:51
